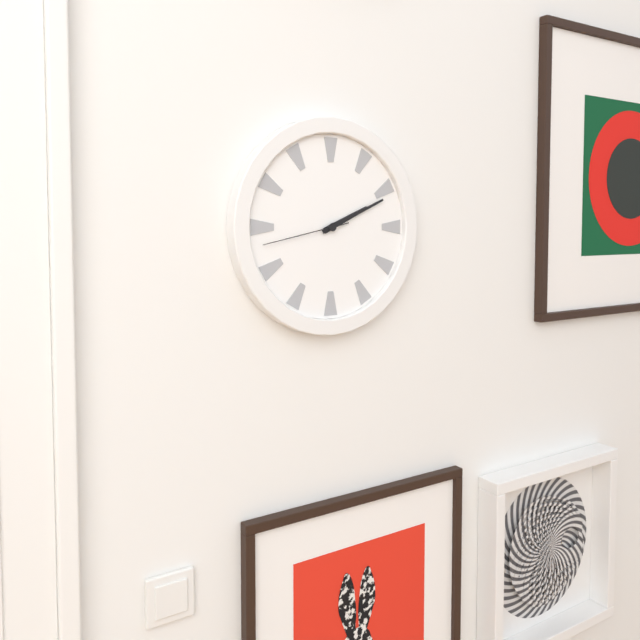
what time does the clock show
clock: 2:11:43
